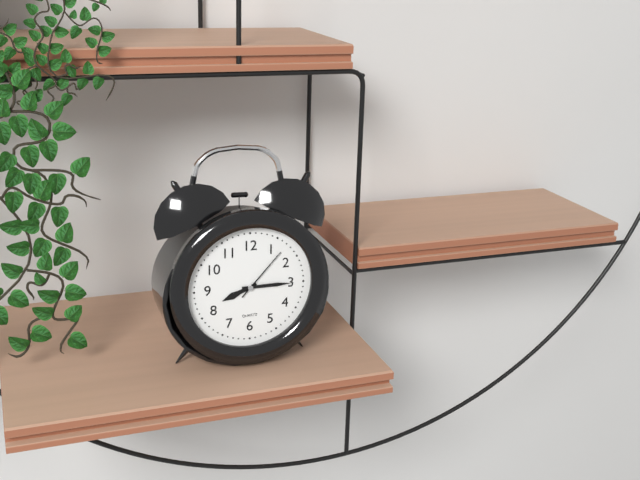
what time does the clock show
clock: 8:15:07
